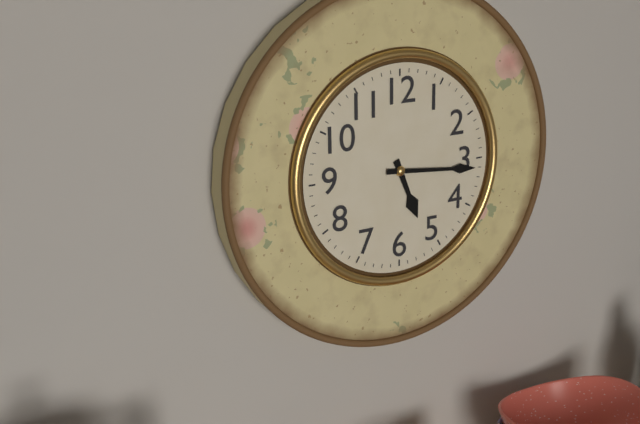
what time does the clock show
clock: 5:16
